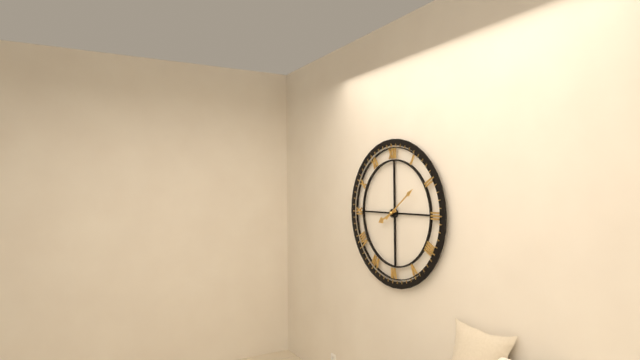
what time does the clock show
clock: 8:09
